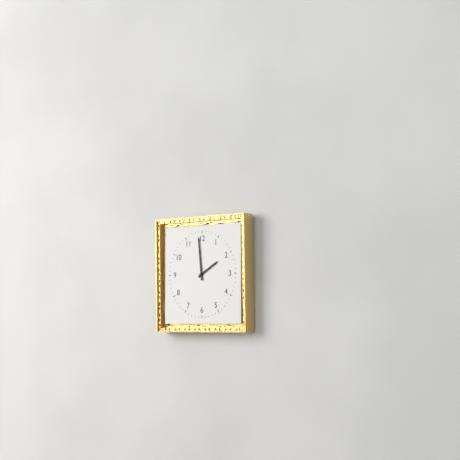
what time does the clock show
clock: 1:59
